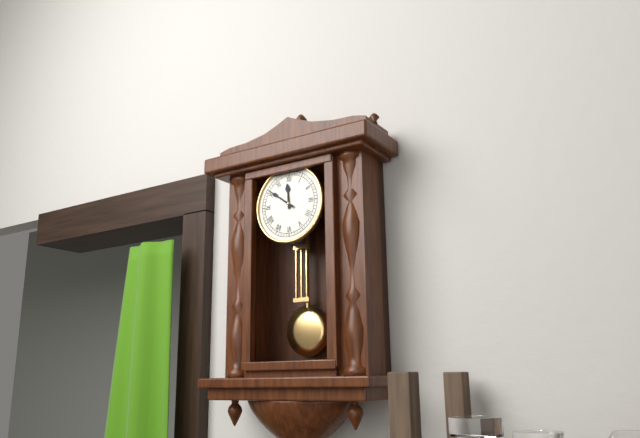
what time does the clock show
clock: 11:51
